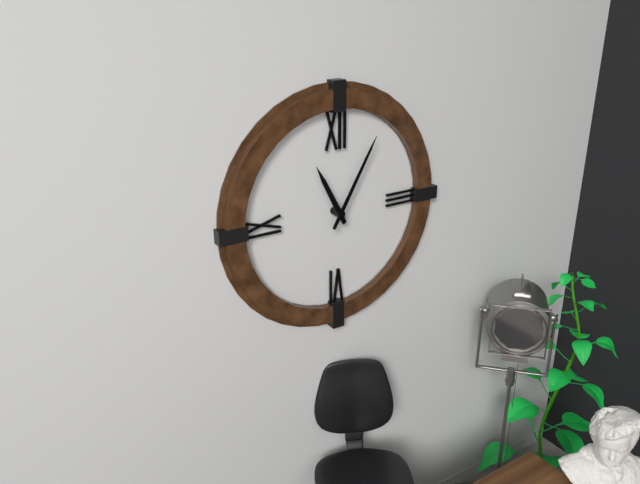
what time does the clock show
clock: 11:05
